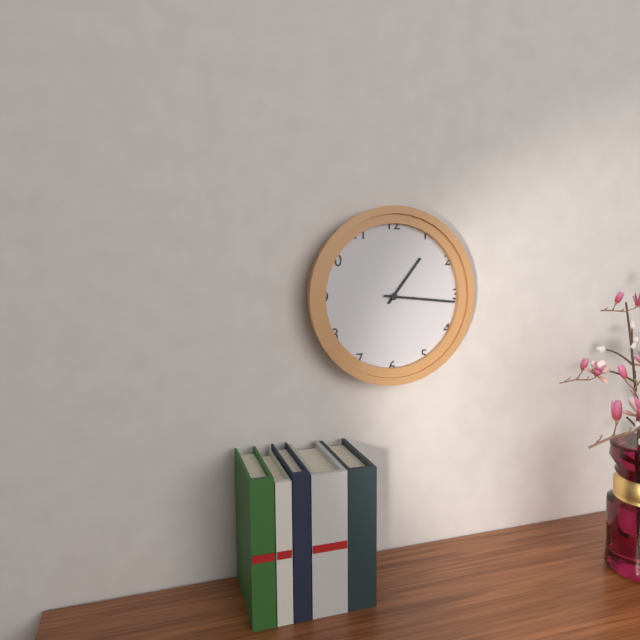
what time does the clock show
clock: 1:16
